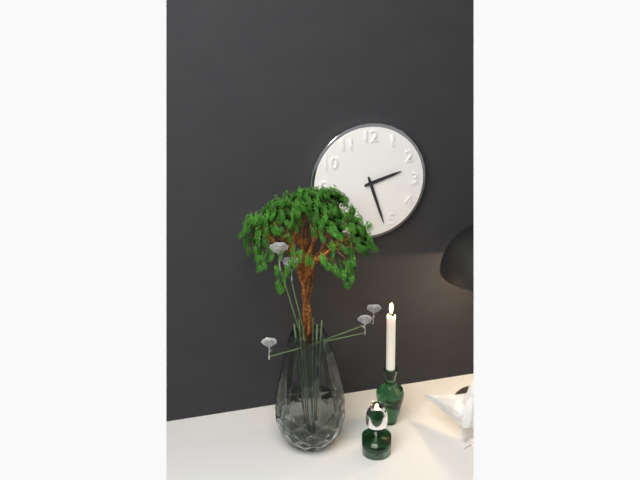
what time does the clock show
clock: 2:27
